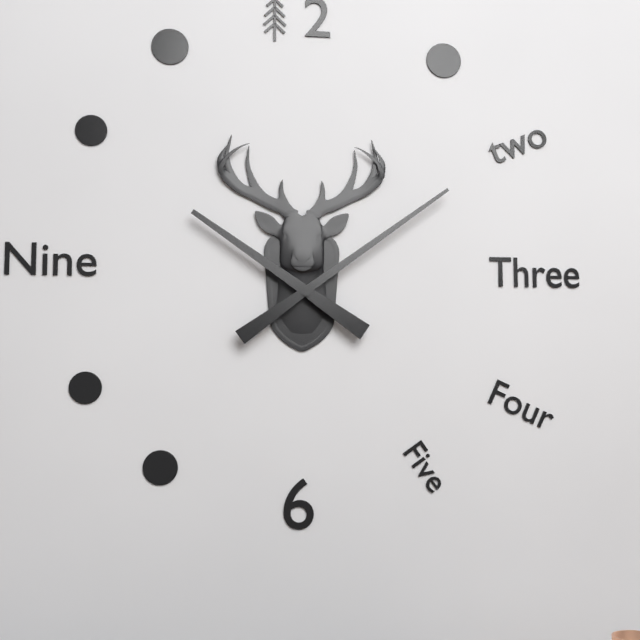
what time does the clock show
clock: 10:09
